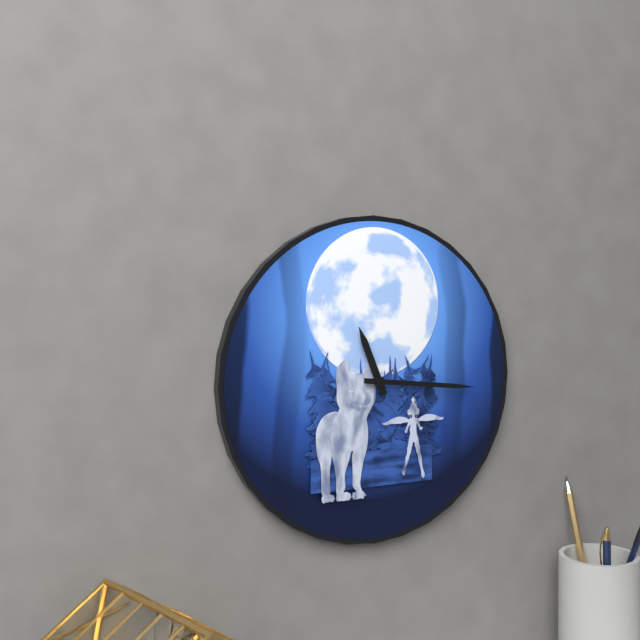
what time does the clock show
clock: 11:16
